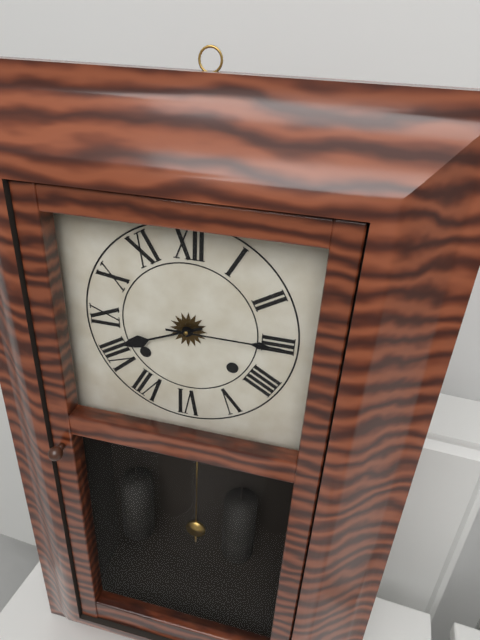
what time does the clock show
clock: 8:15
